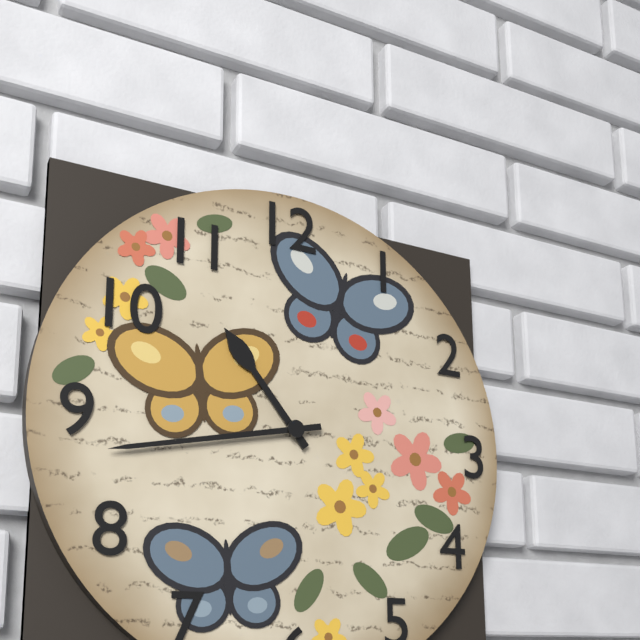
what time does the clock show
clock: 10:43
